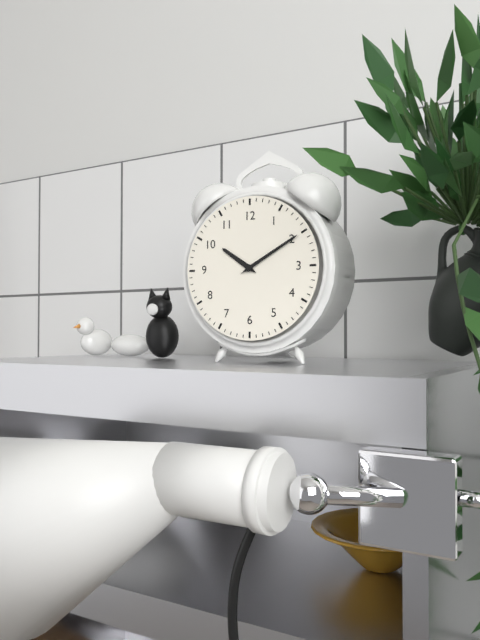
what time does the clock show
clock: 10:10
